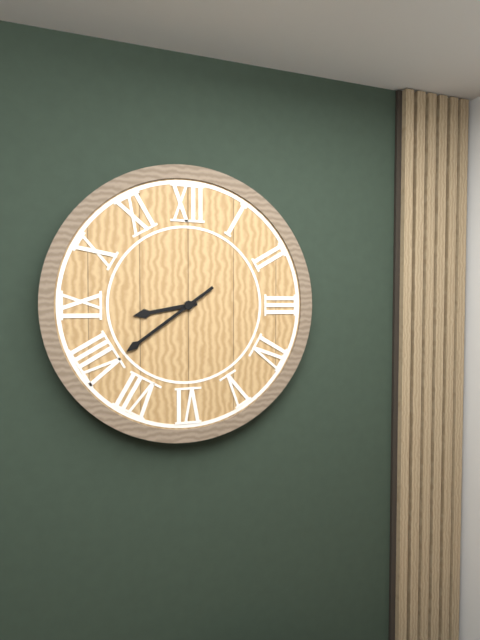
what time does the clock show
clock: 8:39
